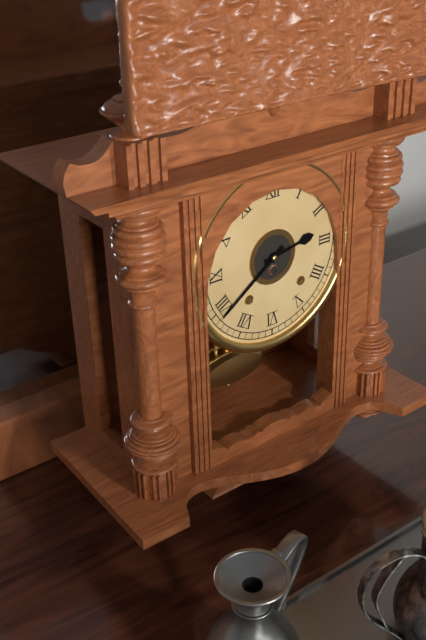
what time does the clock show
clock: 2:39
